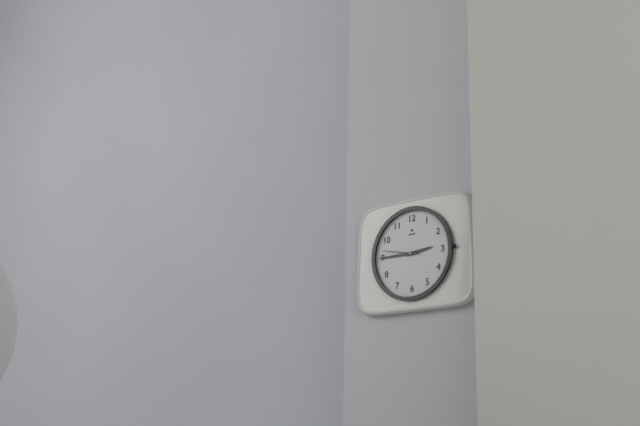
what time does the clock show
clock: 2:45
